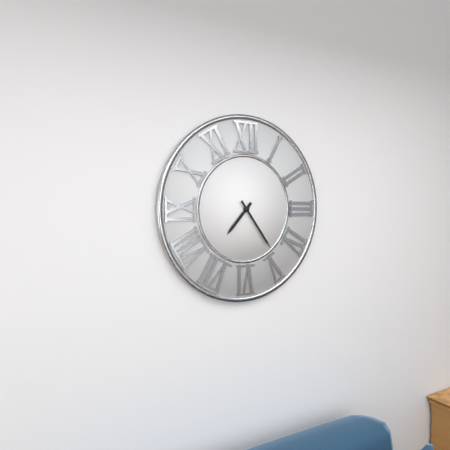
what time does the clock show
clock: 7:24
